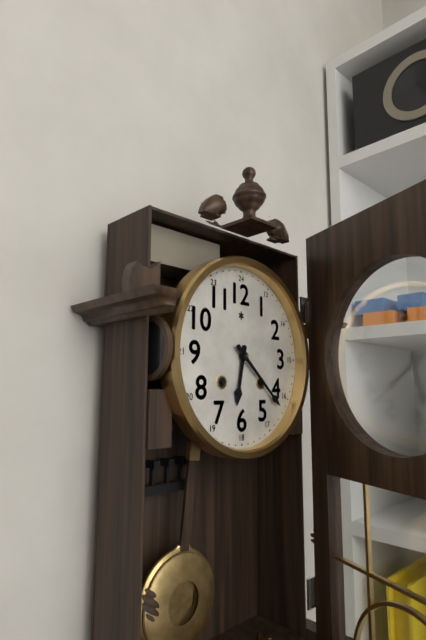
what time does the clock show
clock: 6:22
